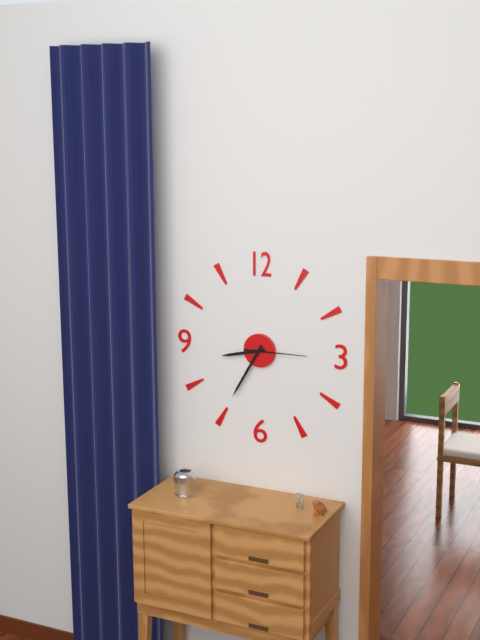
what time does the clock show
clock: 8:35:15
